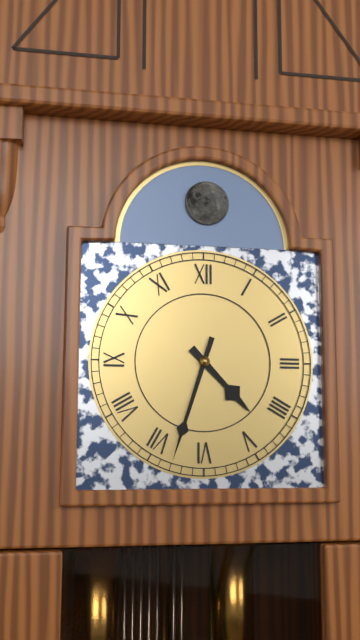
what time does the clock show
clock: 4:33
